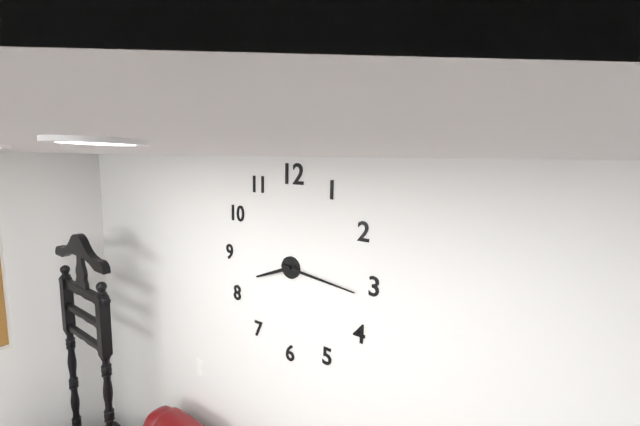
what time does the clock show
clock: 8:16
